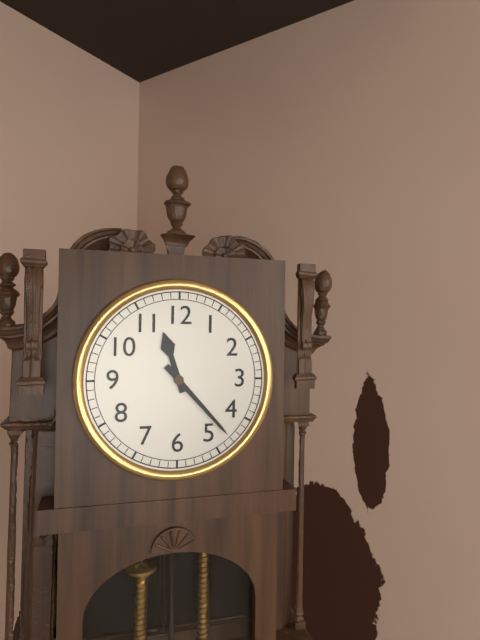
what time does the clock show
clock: 11:23
